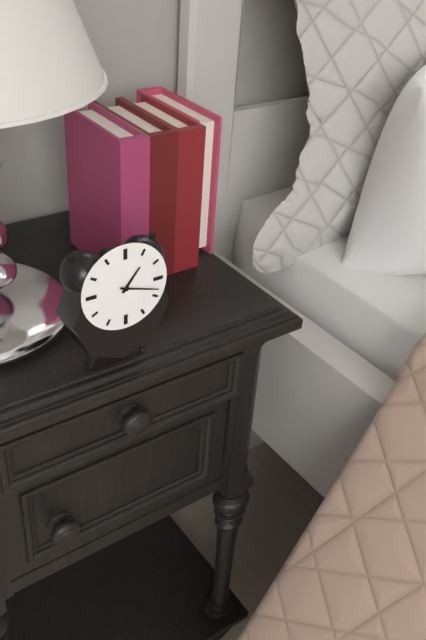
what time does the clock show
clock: 1:18
